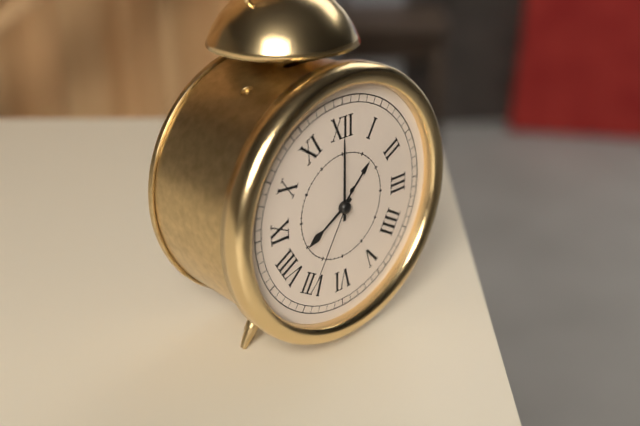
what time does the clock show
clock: 8:00:35
